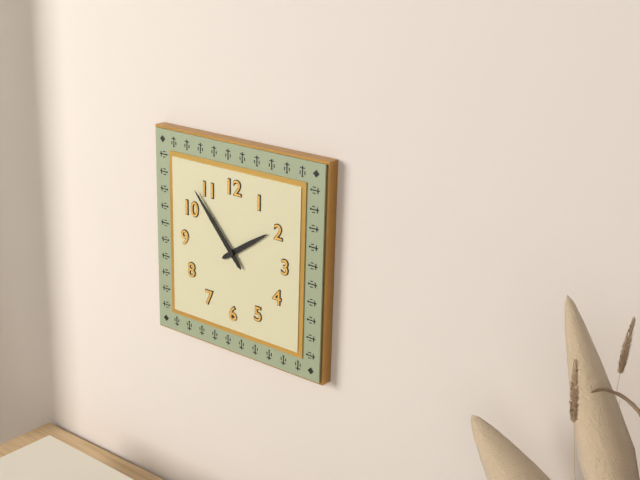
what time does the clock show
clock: 1:53
